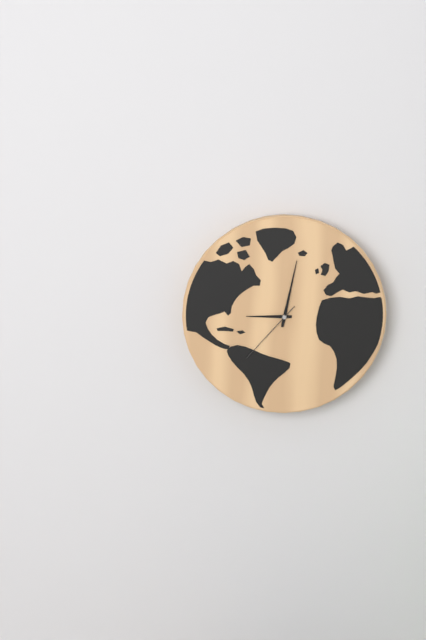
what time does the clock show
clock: 9:02:37
